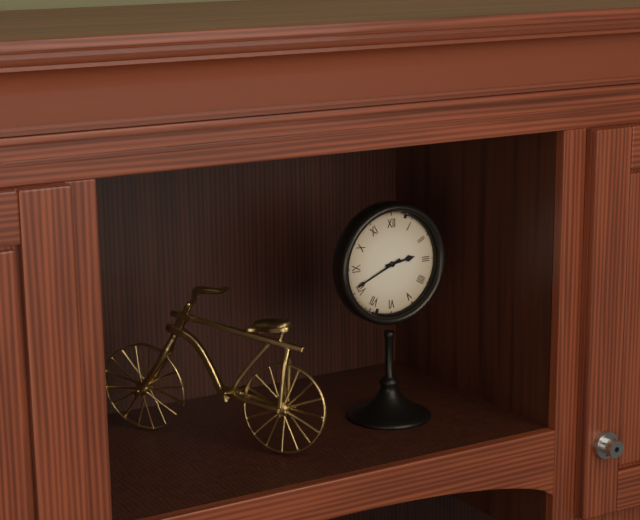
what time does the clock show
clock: 2:41
